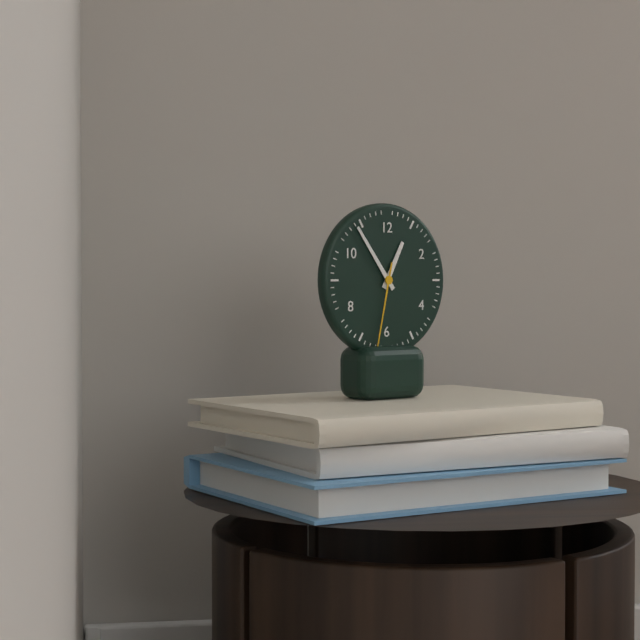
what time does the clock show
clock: 12:54:32
